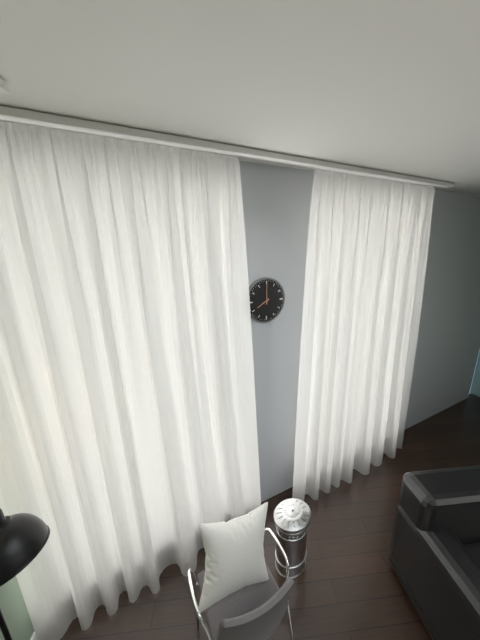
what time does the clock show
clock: 8:00
